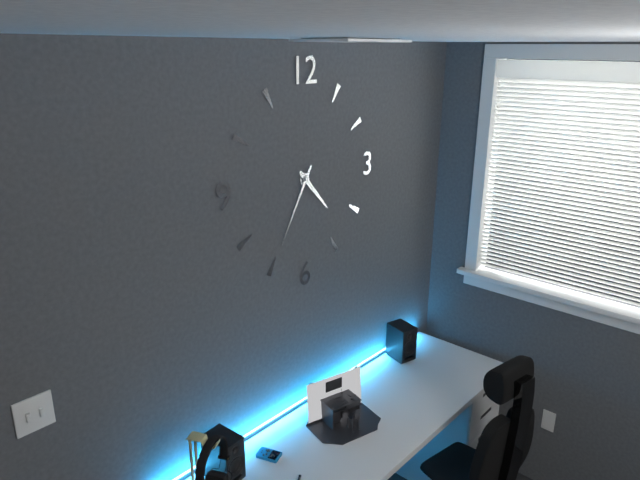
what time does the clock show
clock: 4:35
